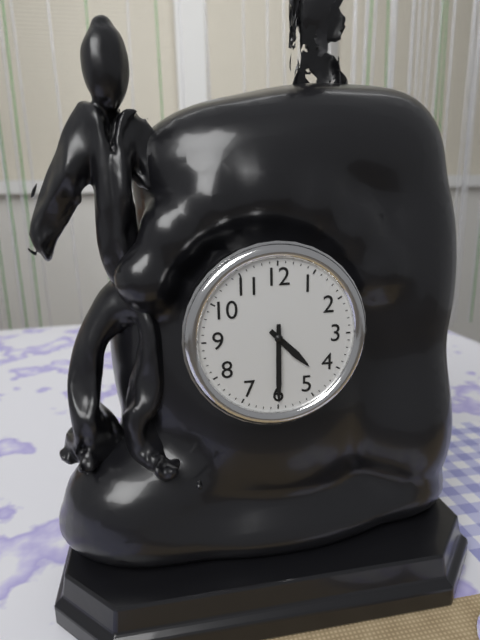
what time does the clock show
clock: 4:30
